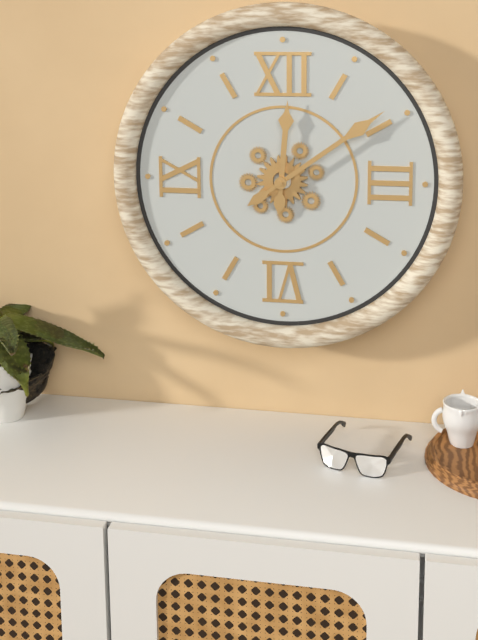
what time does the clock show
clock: 12:09
